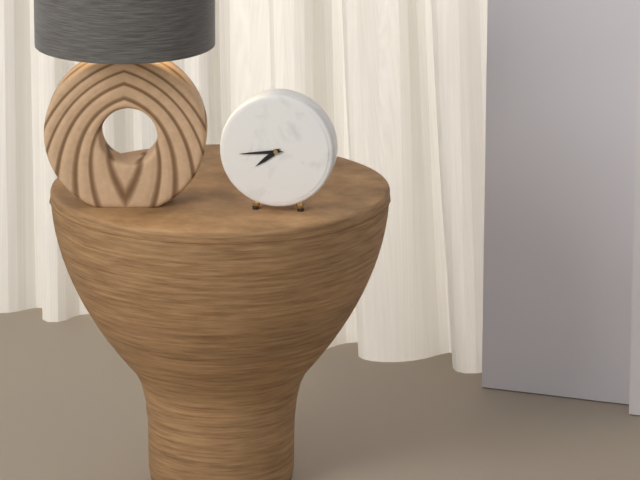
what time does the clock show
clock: 7:44
